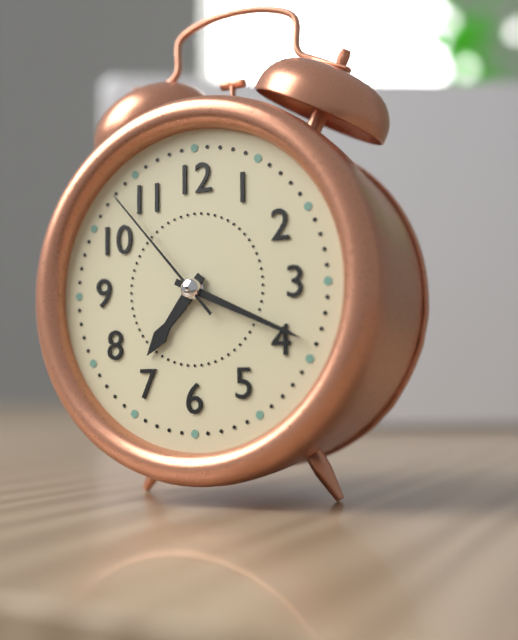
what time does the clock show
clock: 7:19:53
